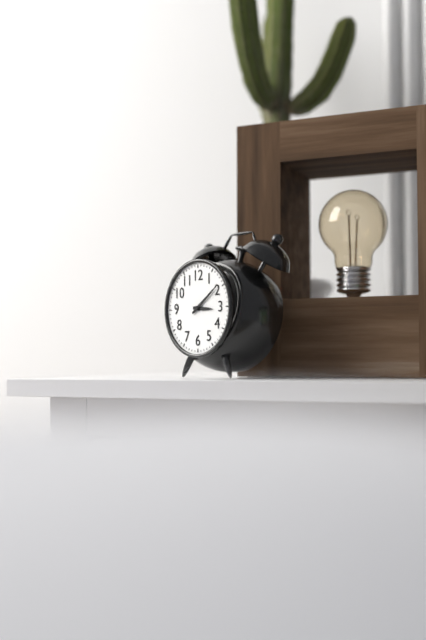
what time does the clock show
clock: 3:09
